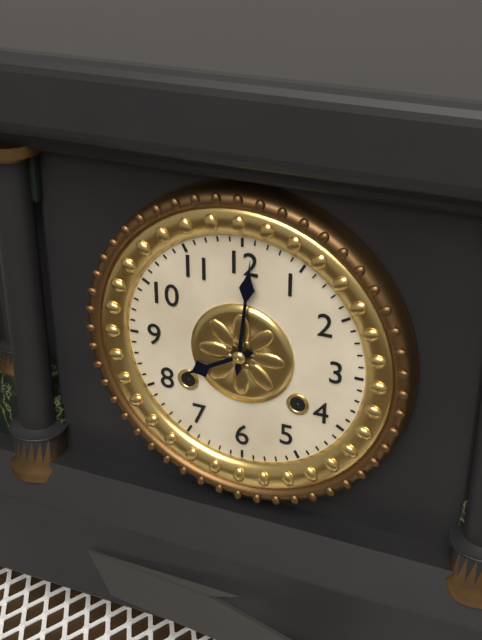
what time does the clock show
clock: 8:01
